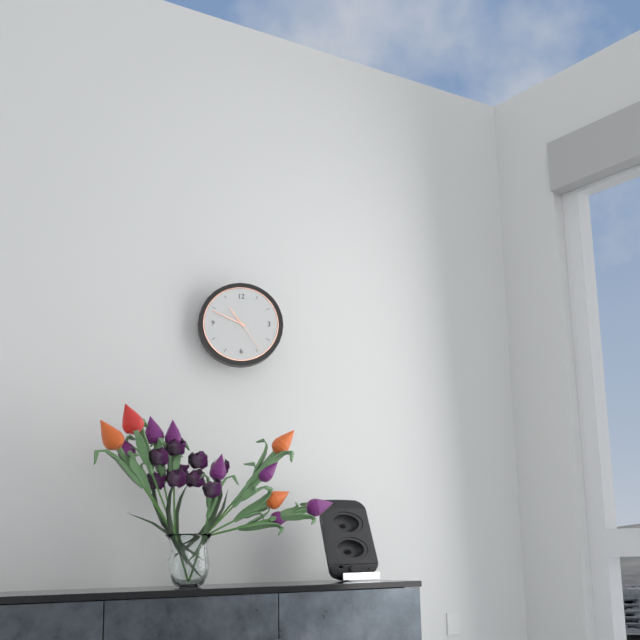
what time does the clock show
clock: 10:49
